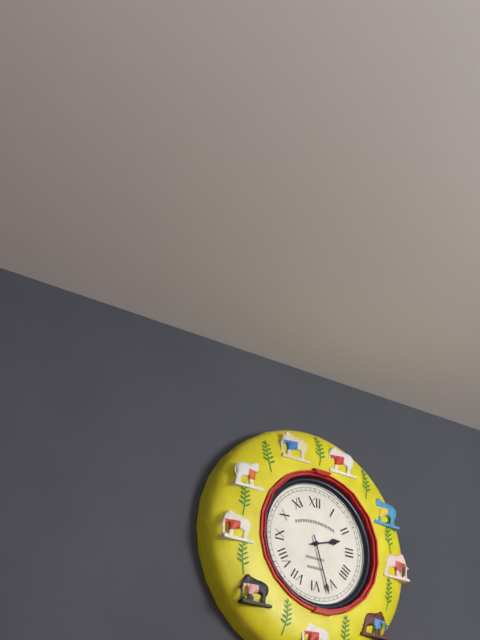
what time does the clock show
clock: 2:27
